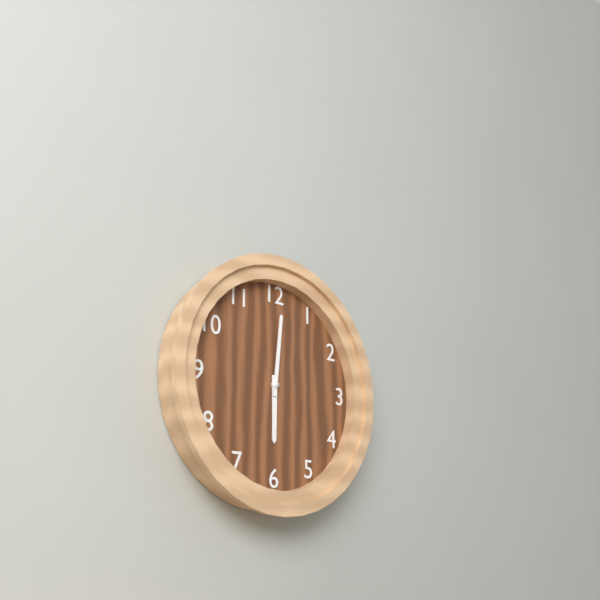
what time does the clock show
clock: 6:01
